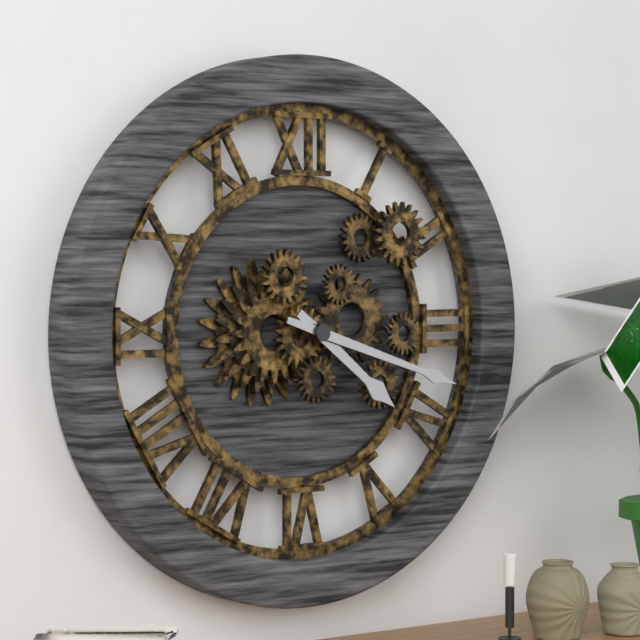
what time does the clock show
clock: 4:18
